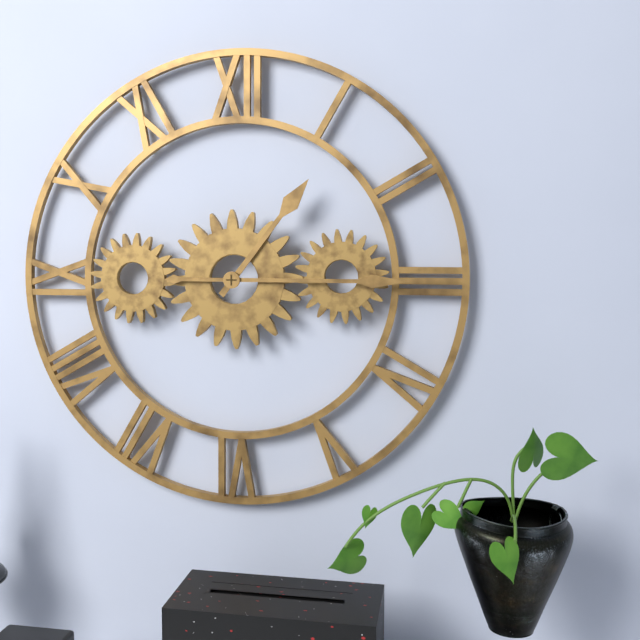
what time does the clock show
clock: 1:15
